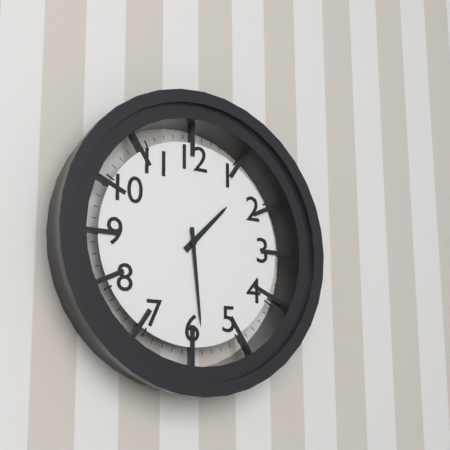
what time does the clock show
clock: 1:29
